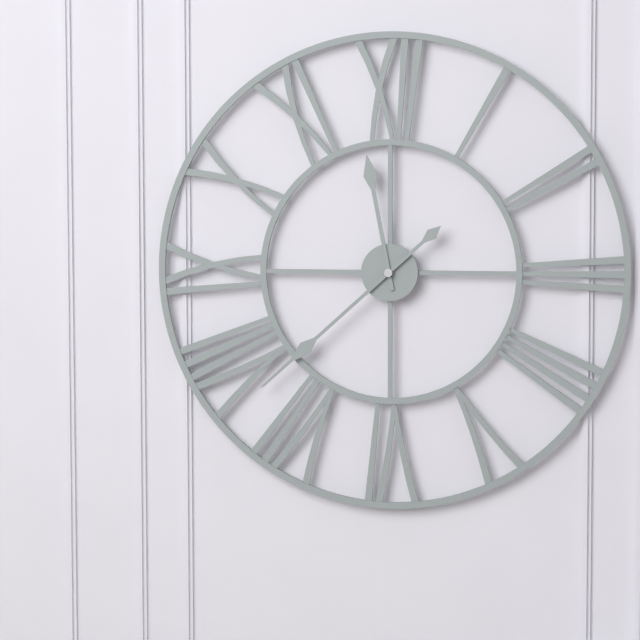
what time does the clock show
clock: 11:38
